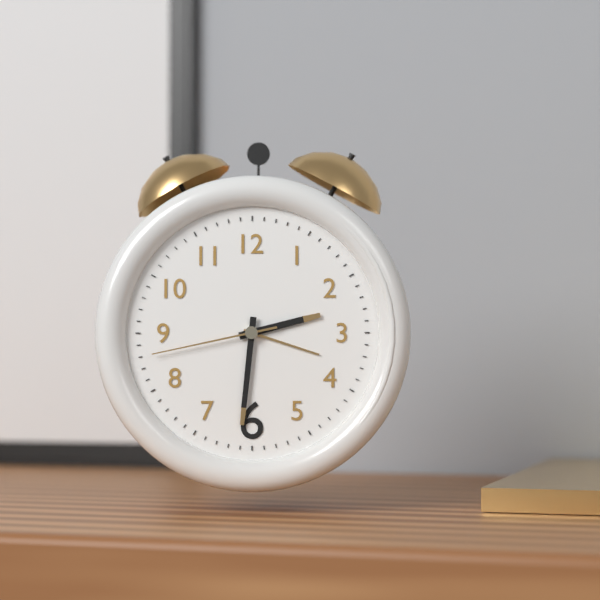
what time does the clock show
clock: 2:31:43
